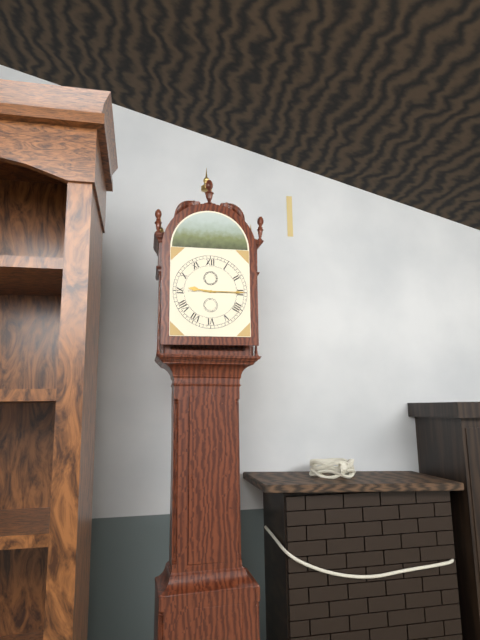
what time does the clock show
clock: 9:15
